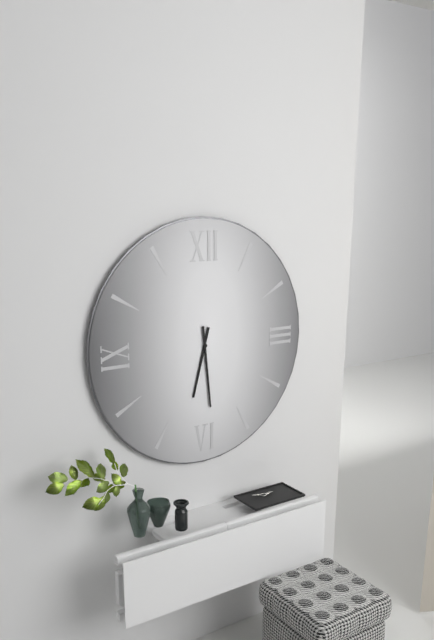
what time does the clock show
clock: 6:29
